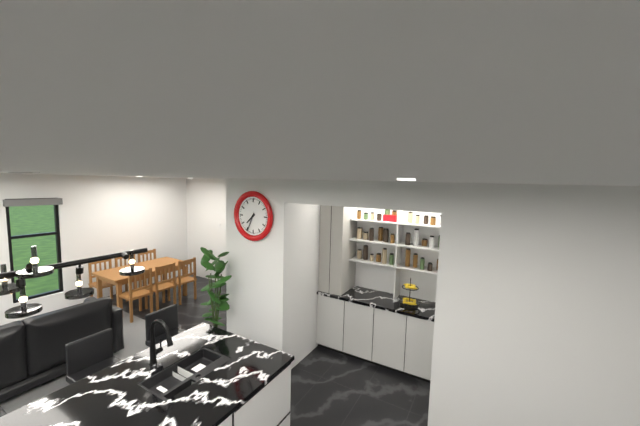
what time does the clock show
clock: 7:34
